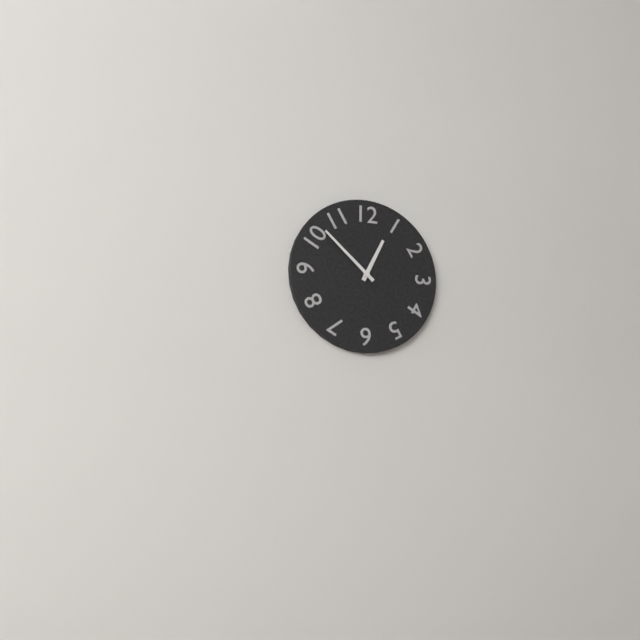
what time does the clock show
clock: 12:52
